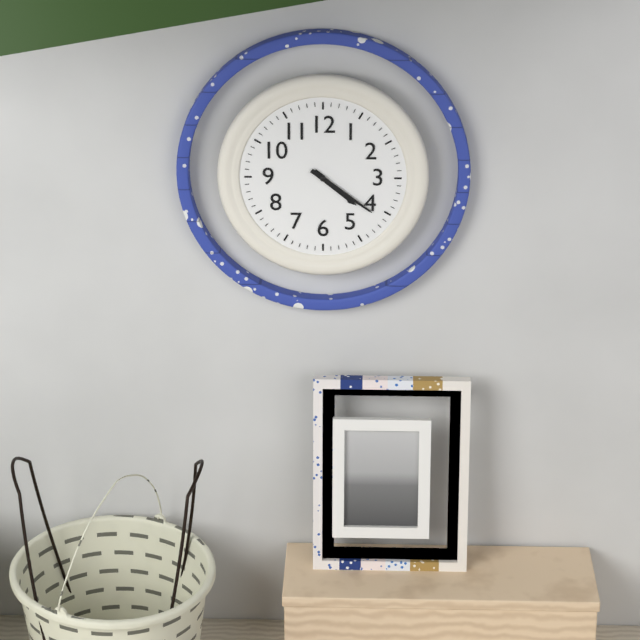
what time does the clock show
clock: 4:21
